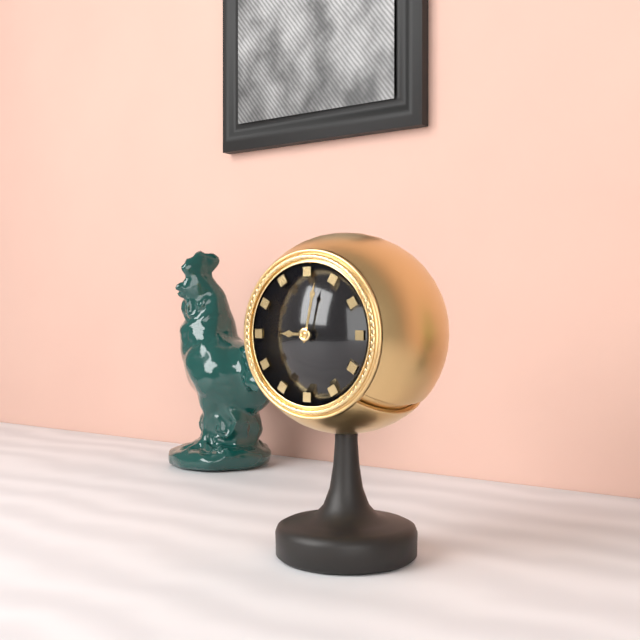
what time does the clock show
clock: 9:02
